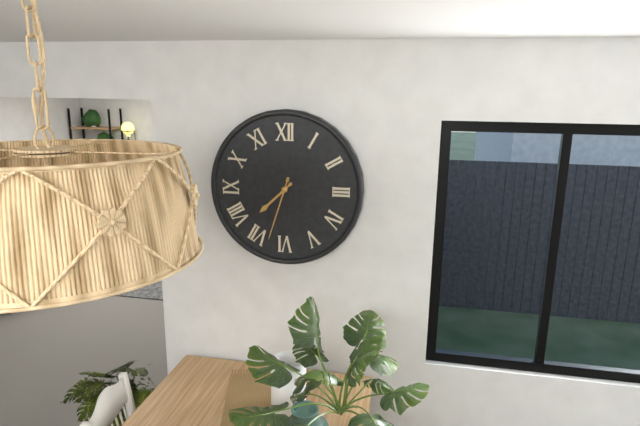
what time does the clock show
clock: 7:33
